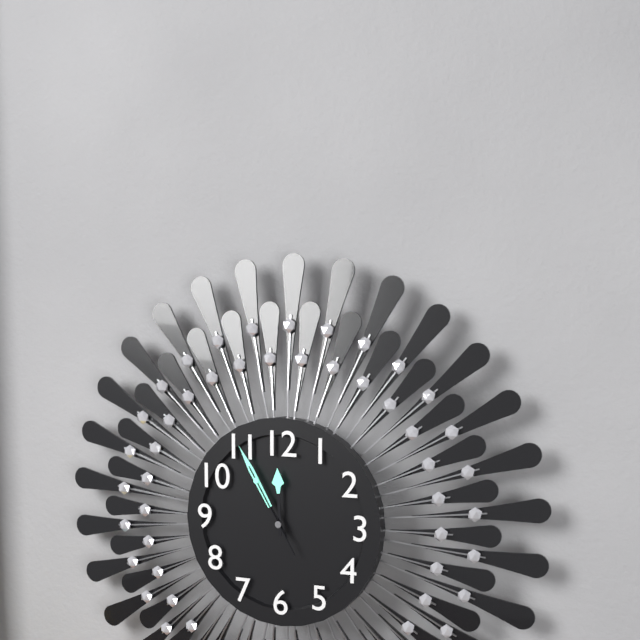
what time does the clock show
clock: 11:55:55
